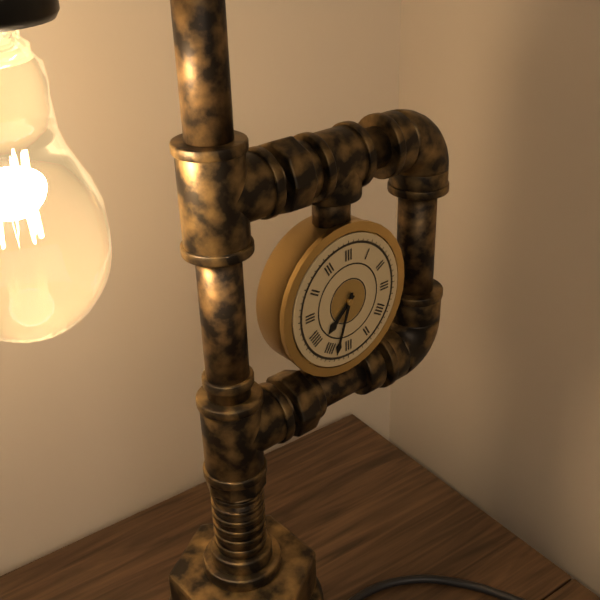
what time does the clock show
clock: 7:33
